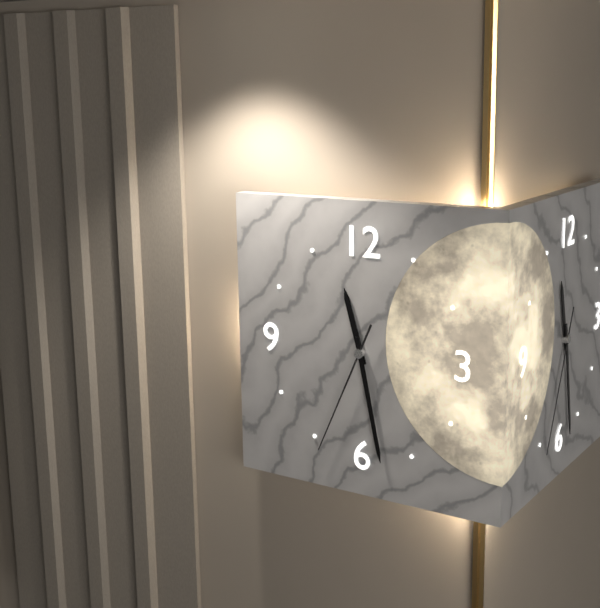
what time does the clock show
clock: 11:28:34
